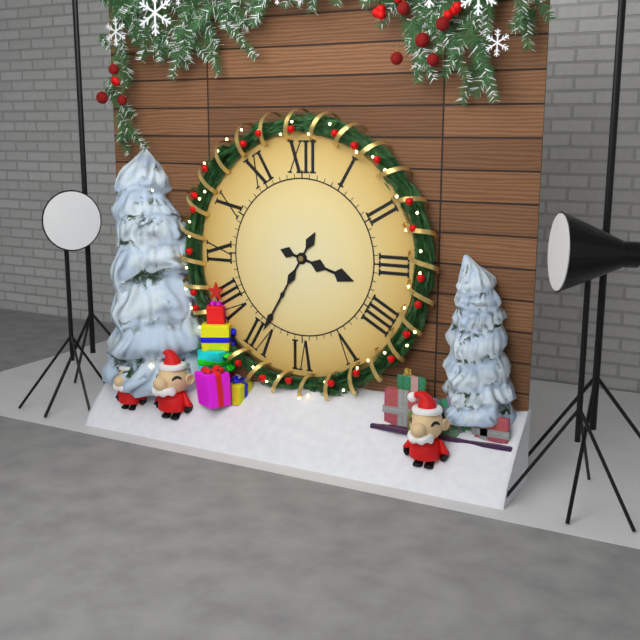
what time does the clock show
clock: 3:35
